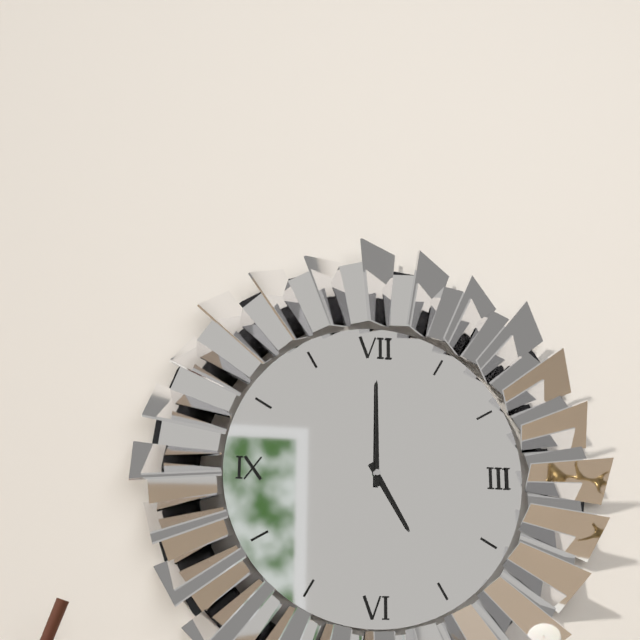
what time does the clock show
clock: 5:00
